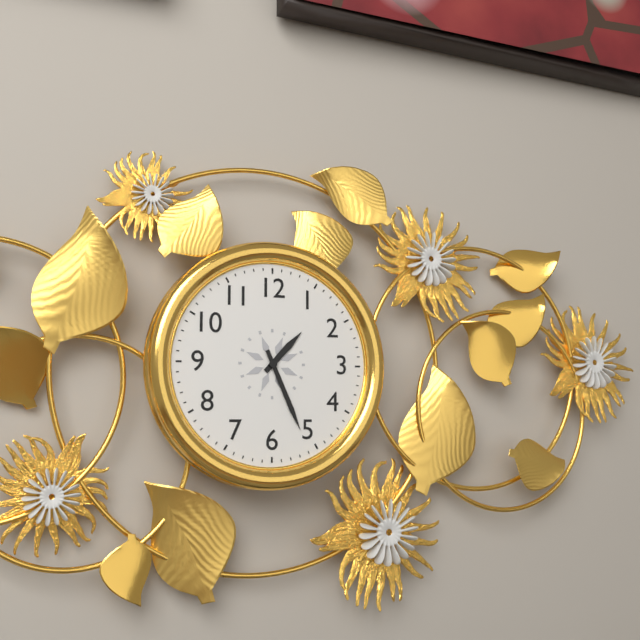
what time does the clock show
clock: 1:26
